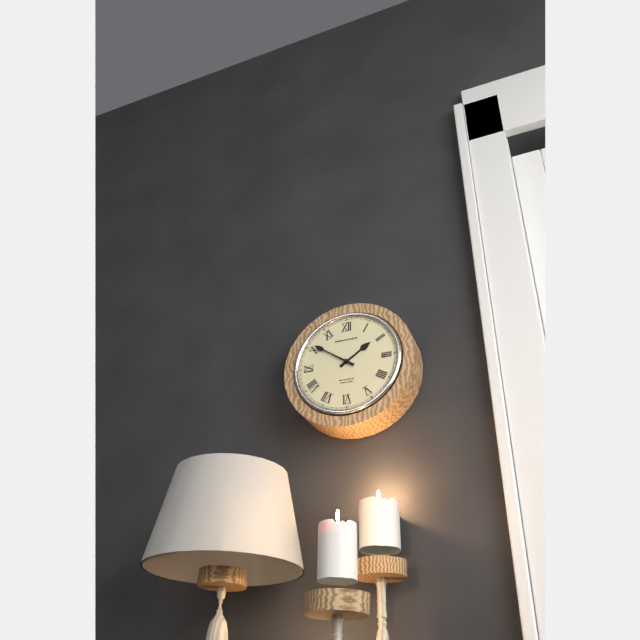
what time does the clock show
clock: 1:51
